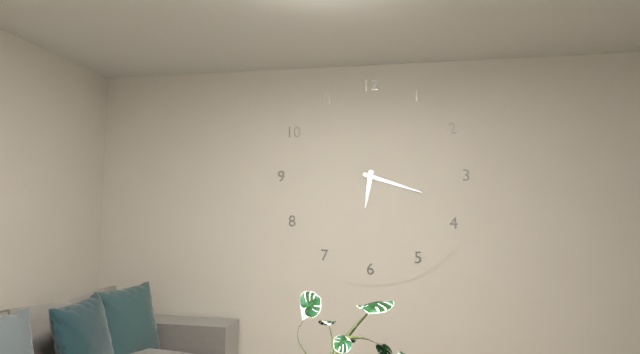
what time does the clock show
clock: 6:18
